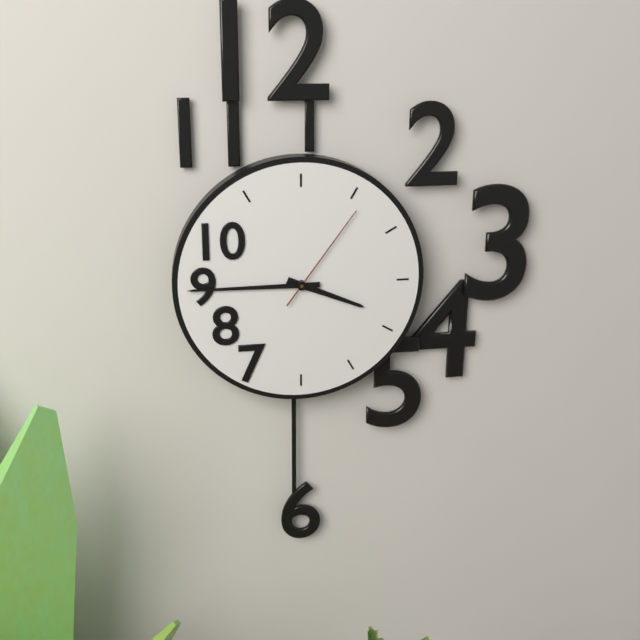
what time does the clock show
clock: 3:45:06
